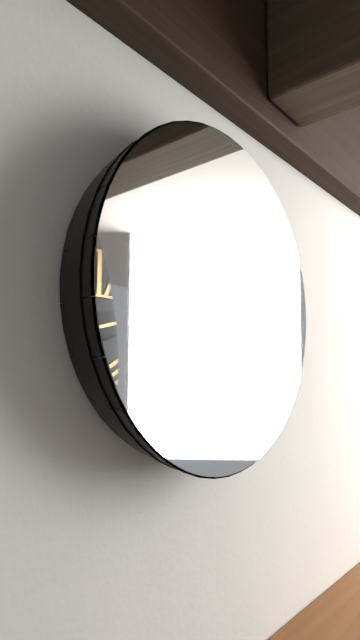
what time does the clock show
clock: 5:10
